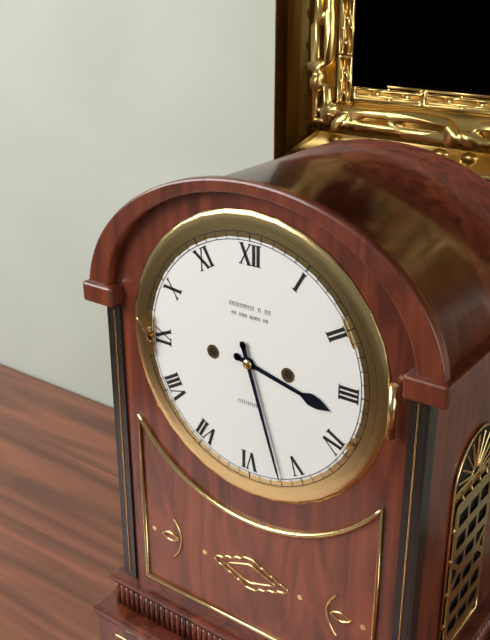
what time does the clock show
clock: 3:27
